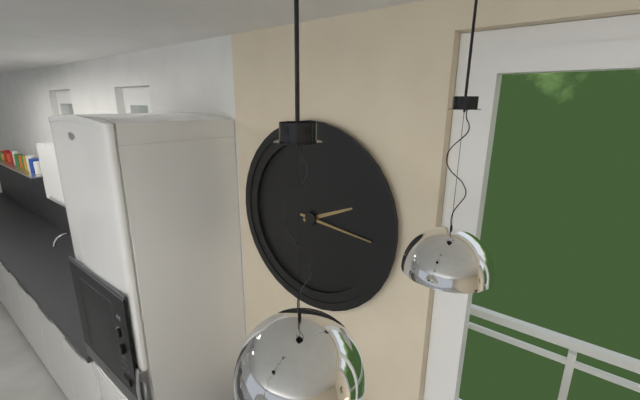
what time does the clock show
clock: 2:16
